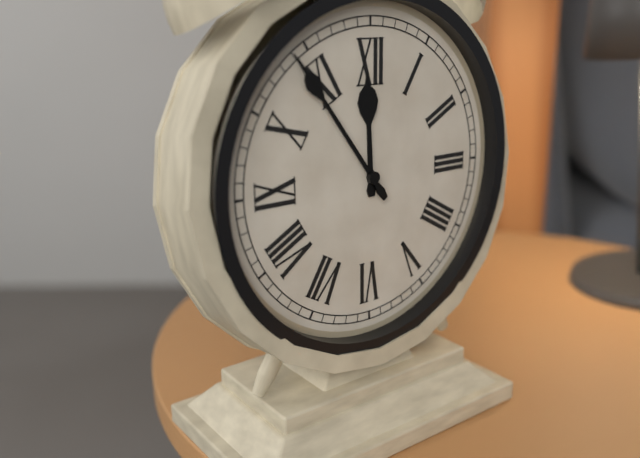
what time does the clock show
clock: 11:54
